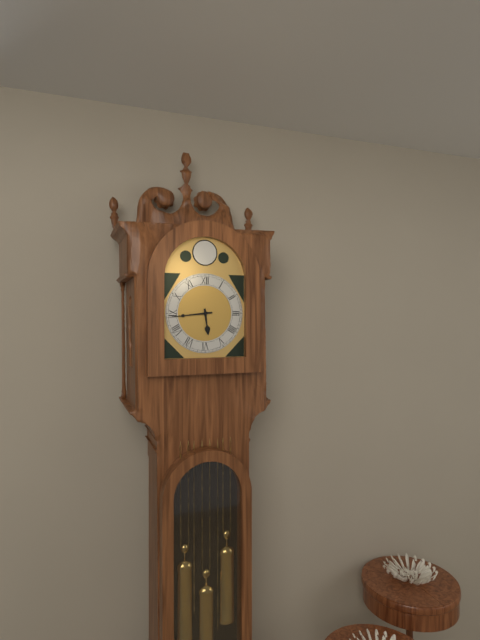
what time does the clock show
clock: 5:44
